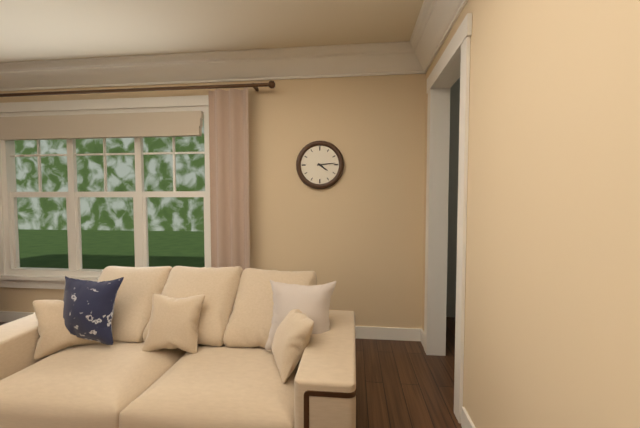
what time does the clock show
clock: 4:14
